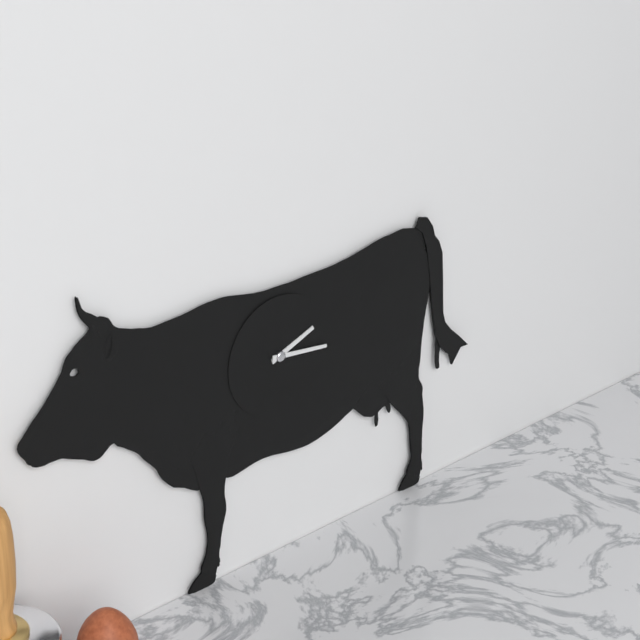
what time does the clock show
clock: 2:16
